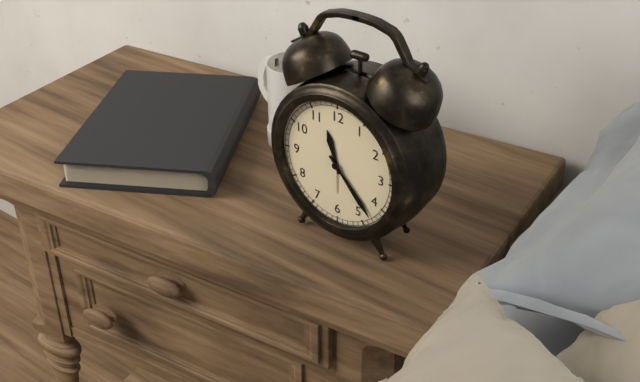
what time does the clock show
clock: 11:23
